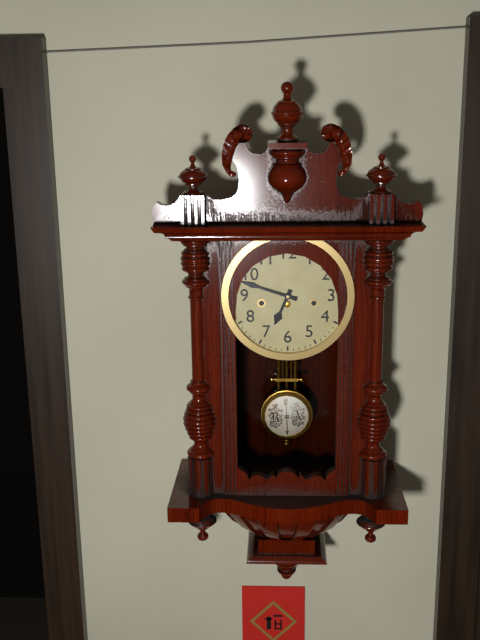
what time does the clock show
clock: 6:48
